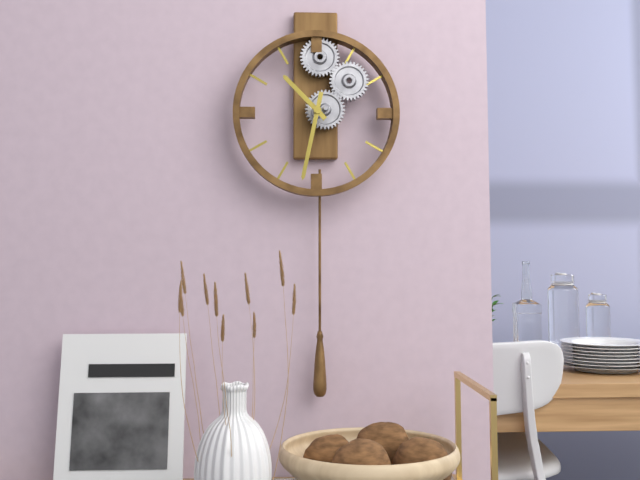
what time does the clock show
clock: 10:32
